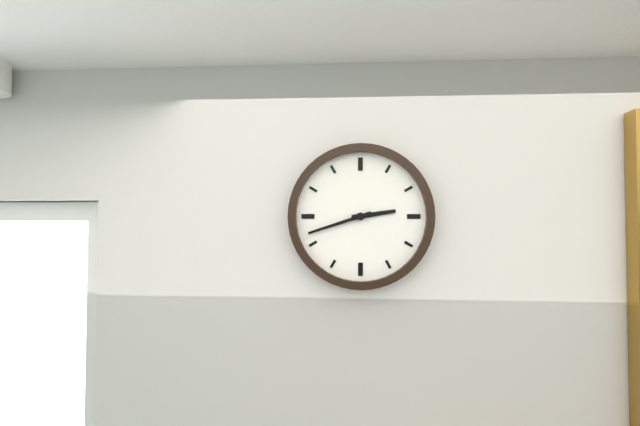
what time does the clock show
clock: 2:42
